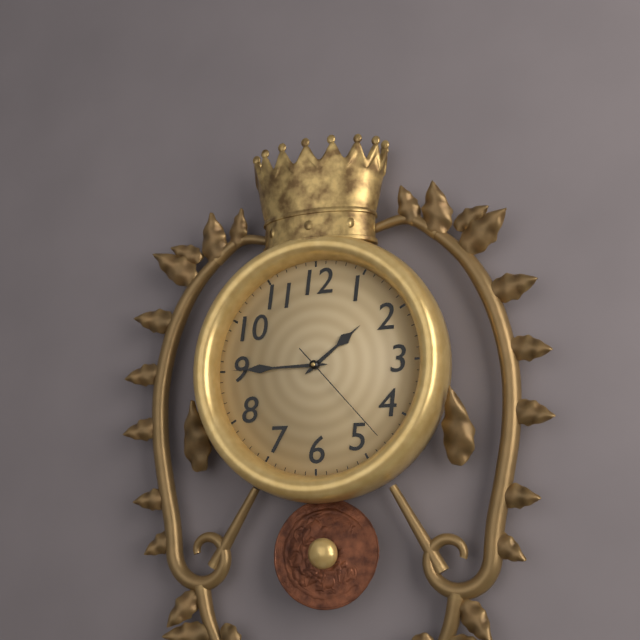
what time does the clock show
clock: 1:45:23
